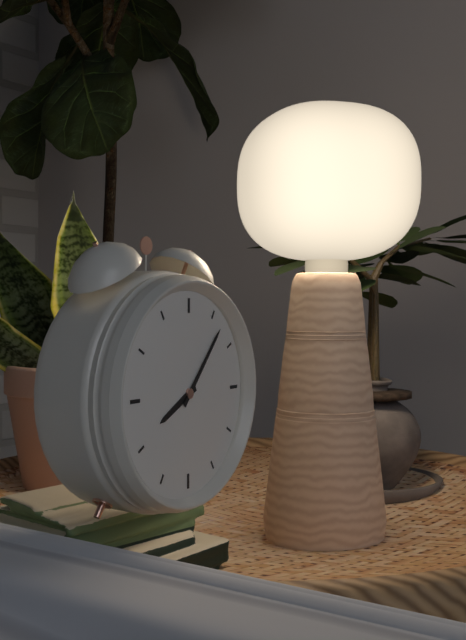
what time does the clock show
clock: 8:07
